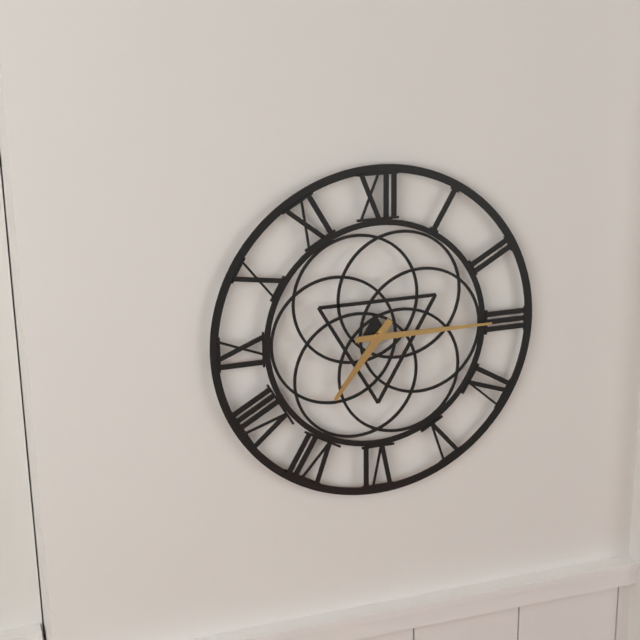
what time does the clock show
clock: 7:15
